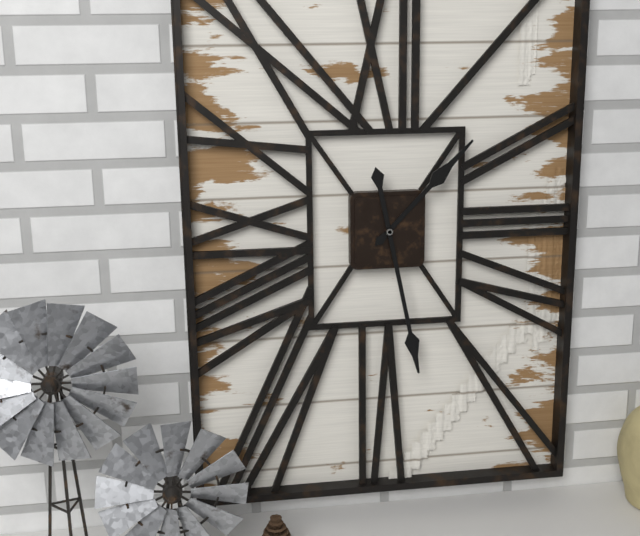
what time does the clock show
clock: 1:28
